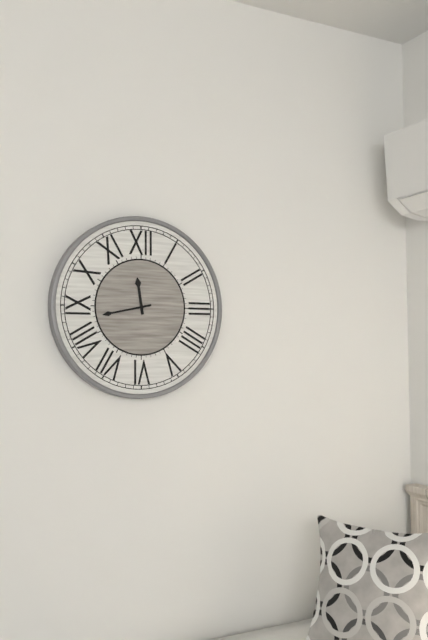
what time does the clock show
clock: 11:43
